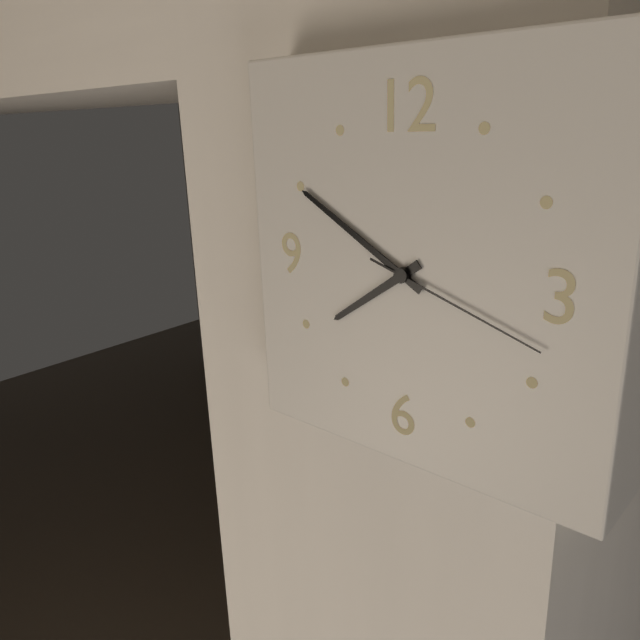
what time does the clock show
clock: 7:50:18
